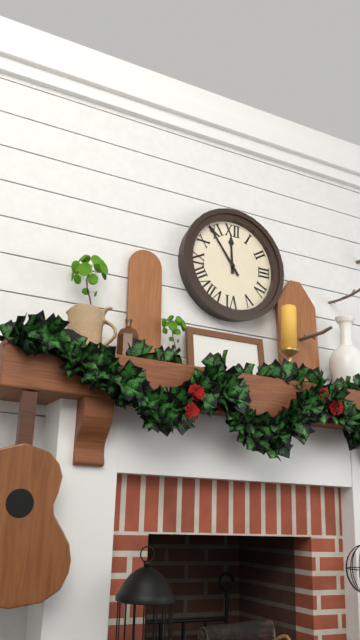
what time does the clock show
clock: 11:54
